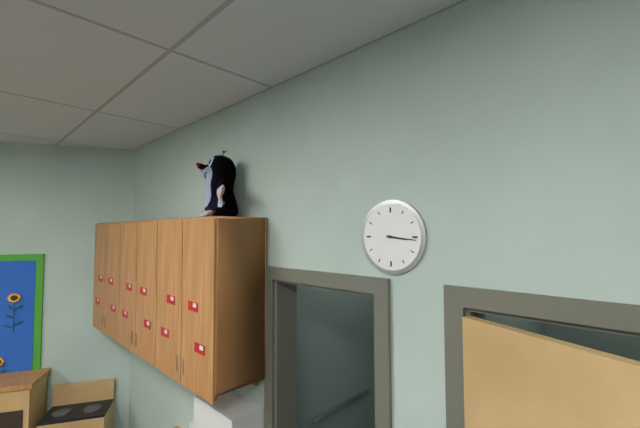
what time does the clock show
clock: 3:16
